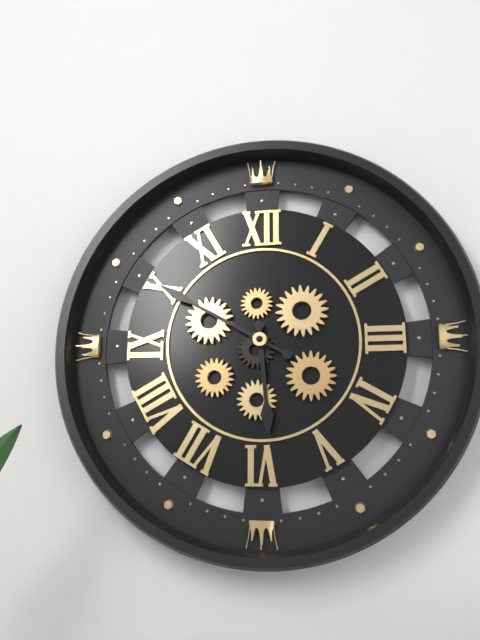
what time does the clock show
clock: 5:50
